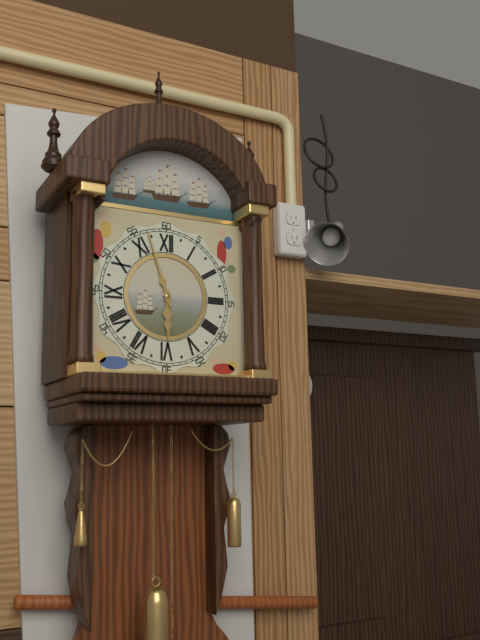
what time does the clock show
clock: 5:57
